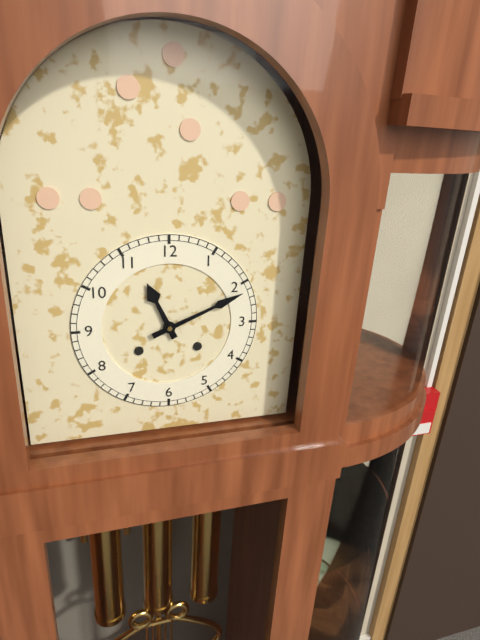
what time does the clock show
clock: 11:11
